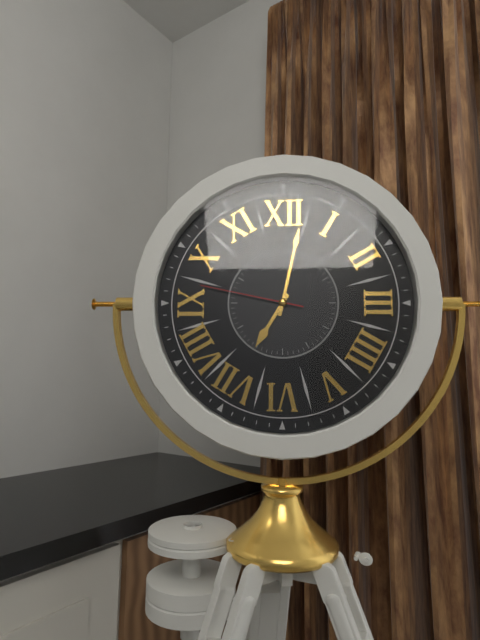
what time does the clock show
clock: 7:02:47
